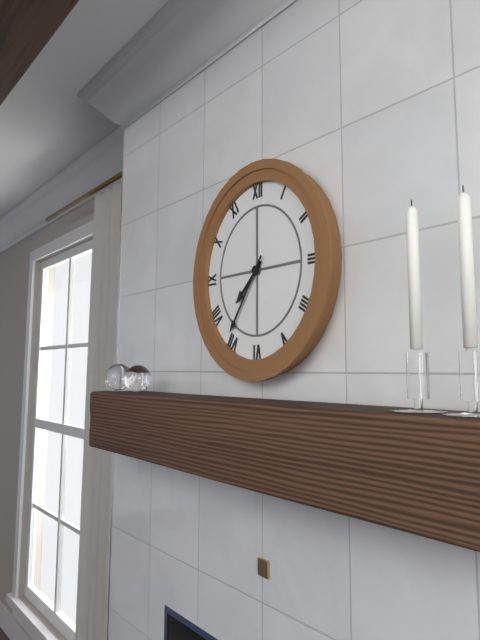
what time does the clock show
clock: 7:36
